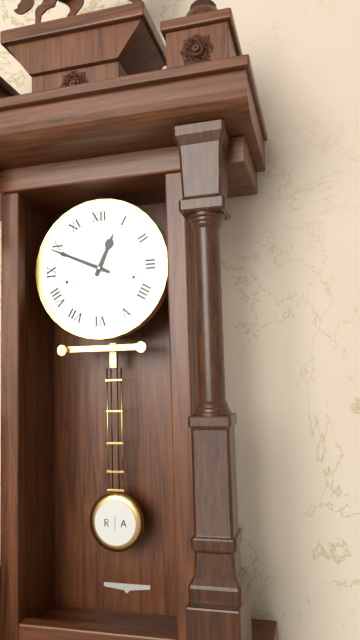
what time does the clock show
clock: 12:49
